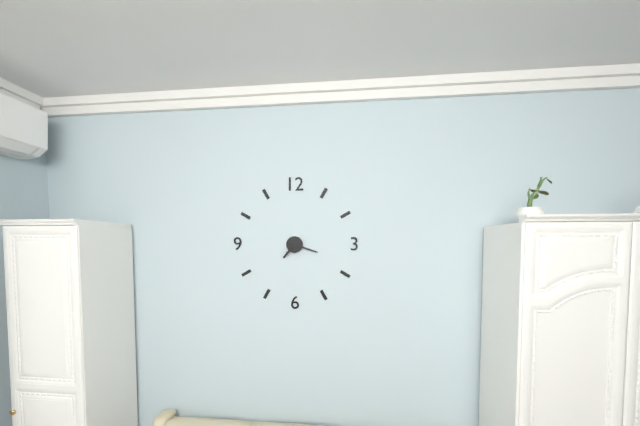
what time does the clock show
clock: 7:18
